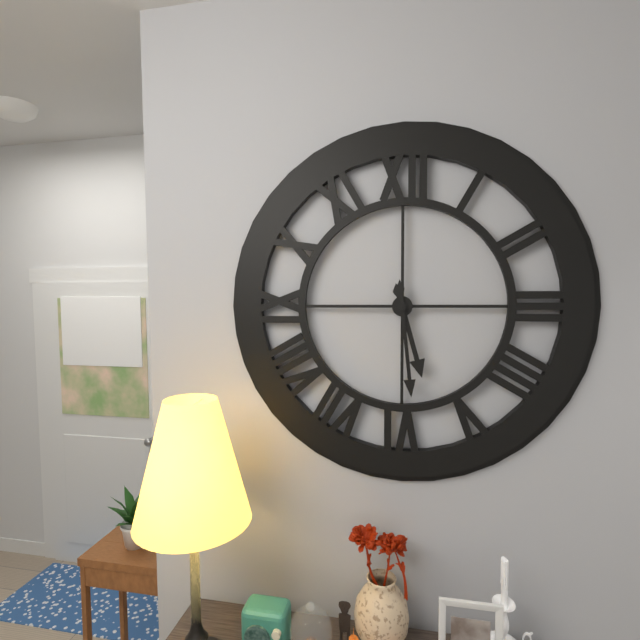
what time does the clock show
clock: 5:29
